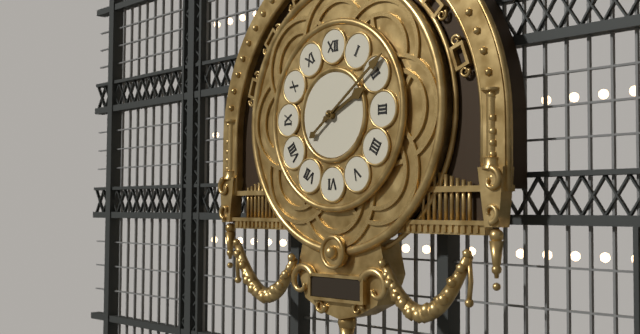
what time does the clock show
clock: 2:09
